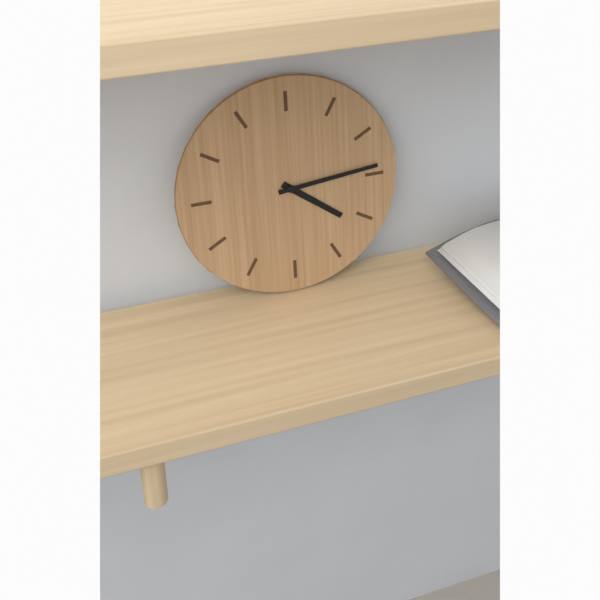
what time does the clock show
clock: 4:14
